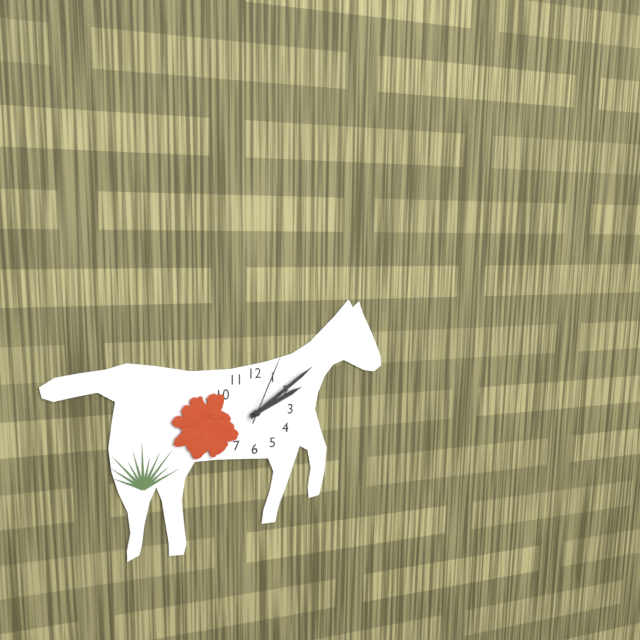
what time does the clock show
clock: 2:09:04
